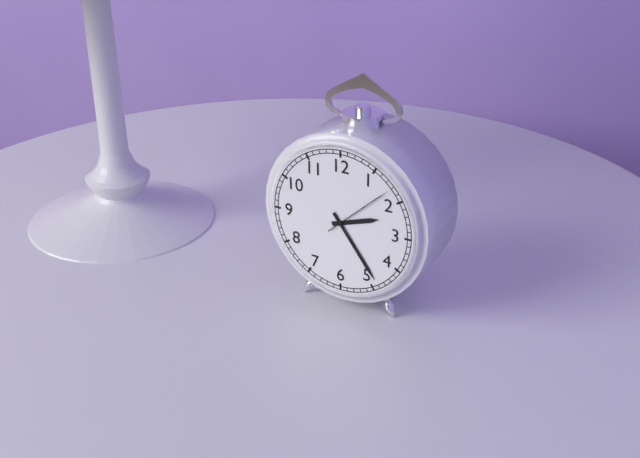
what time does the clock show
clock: 2:24:08
